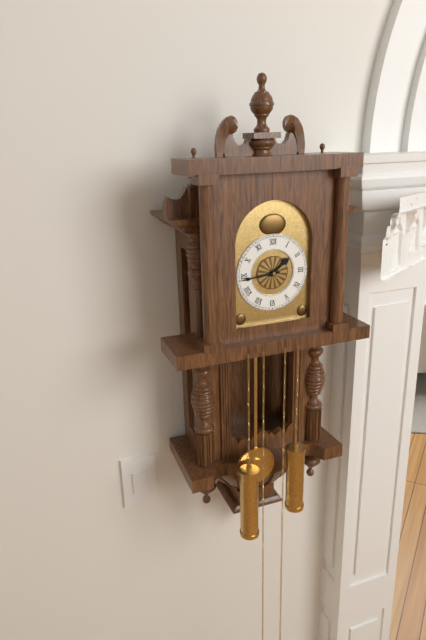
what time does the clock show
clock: 1:44
